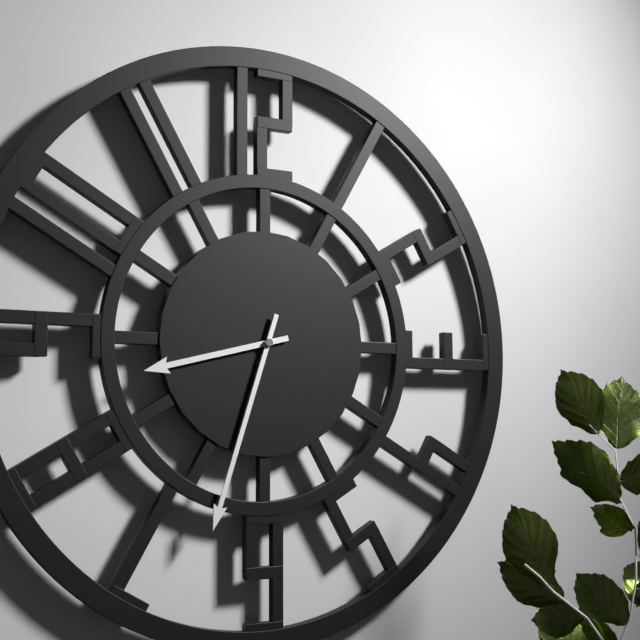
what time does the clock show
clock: 8:33
